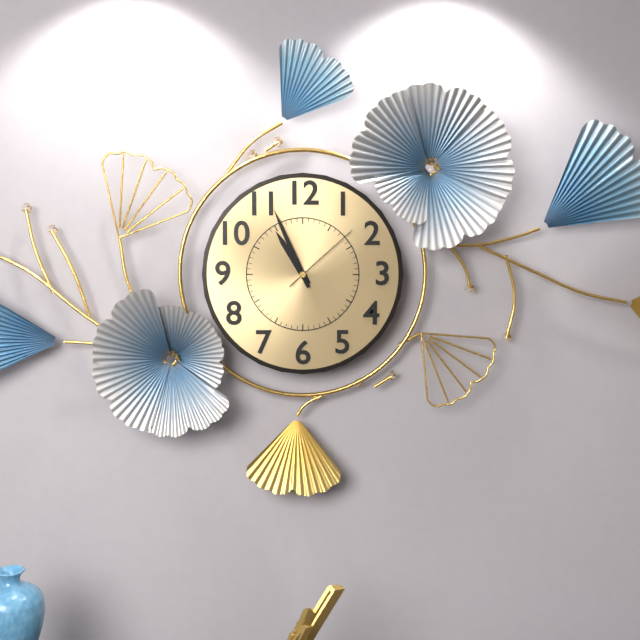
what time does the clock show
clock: 10:56:08
